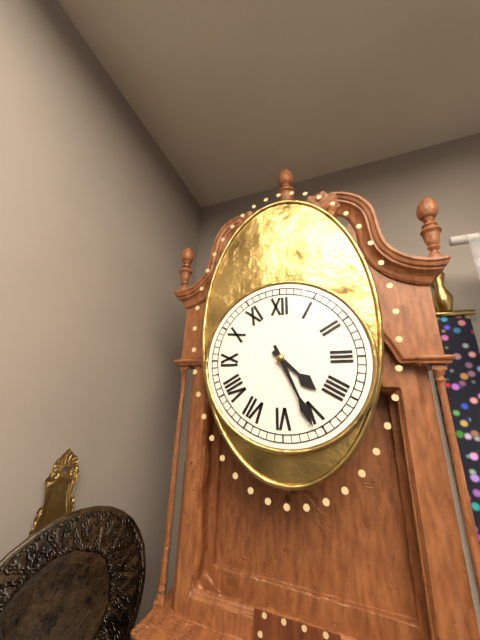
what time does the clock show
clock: 4:26
